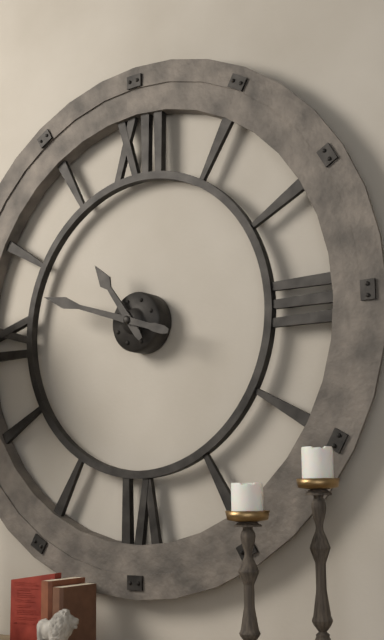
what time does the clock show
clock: 10:48
